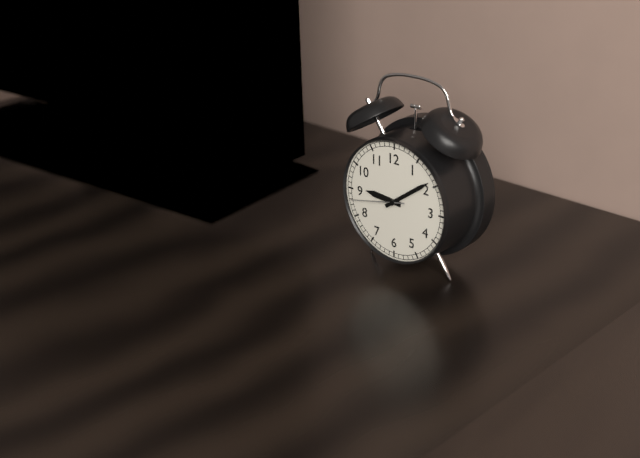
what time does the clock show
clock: 9:09:43
